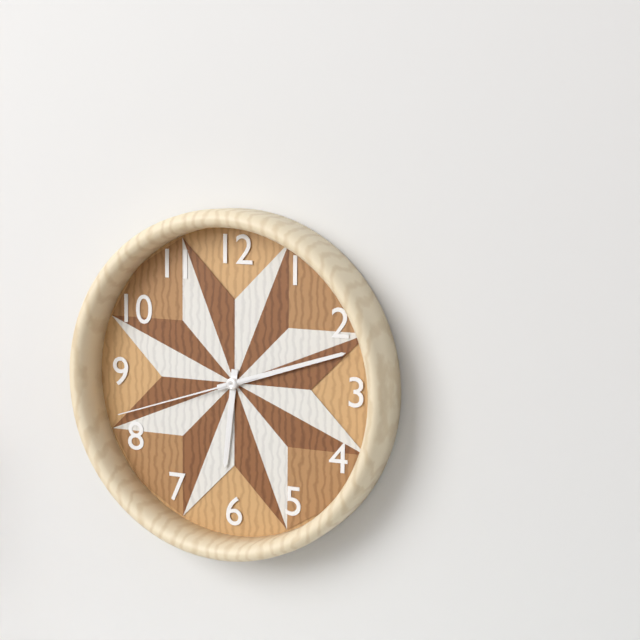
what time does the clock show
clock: 6:12:42
